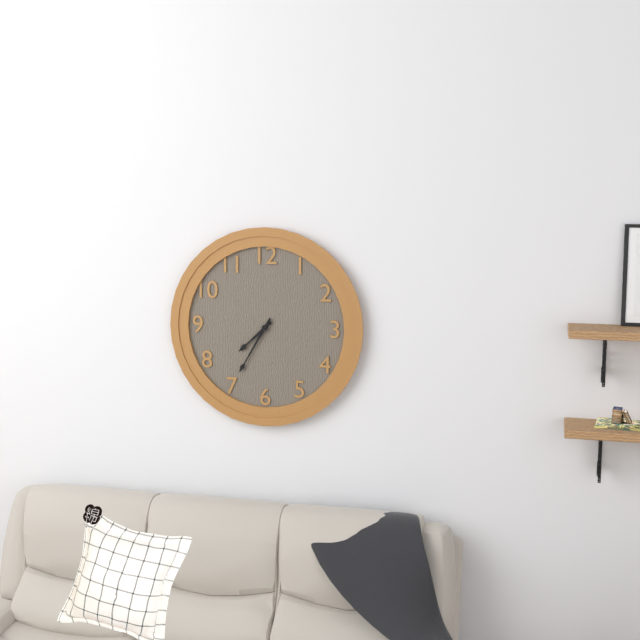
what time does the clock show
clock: 7:35
